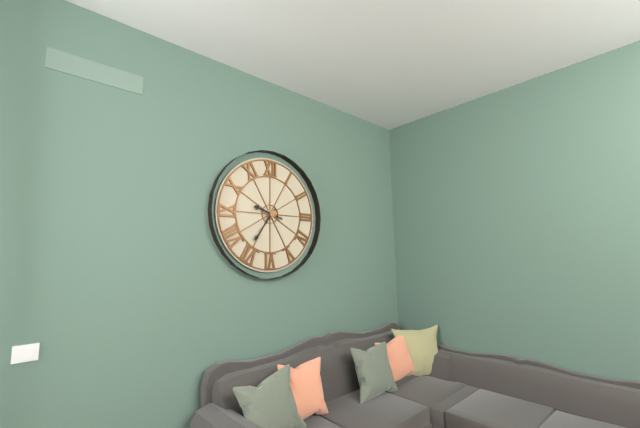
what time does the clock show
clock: 9:36
